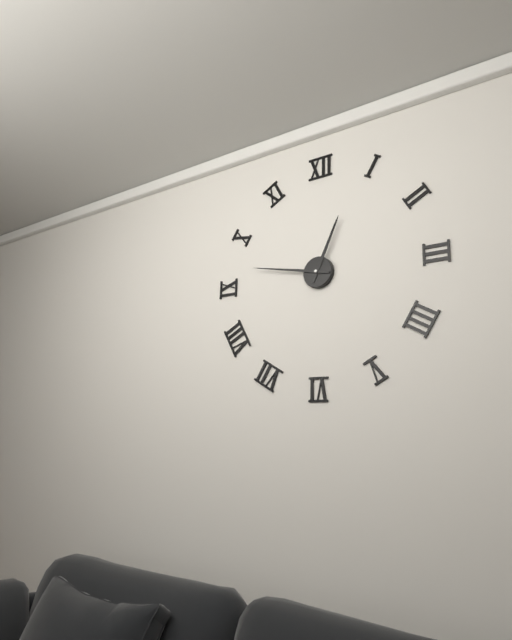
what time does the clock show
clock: 12:47
